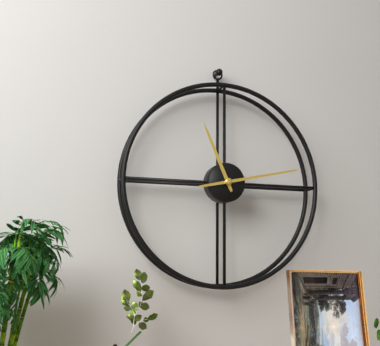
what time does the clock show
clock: 11:13
